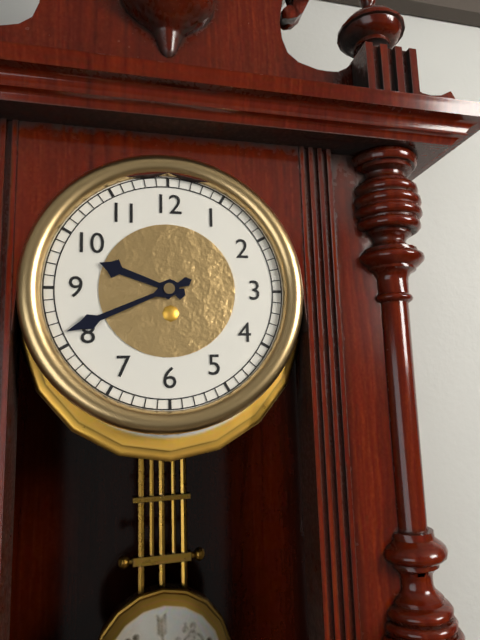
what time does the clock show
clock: 9:41
